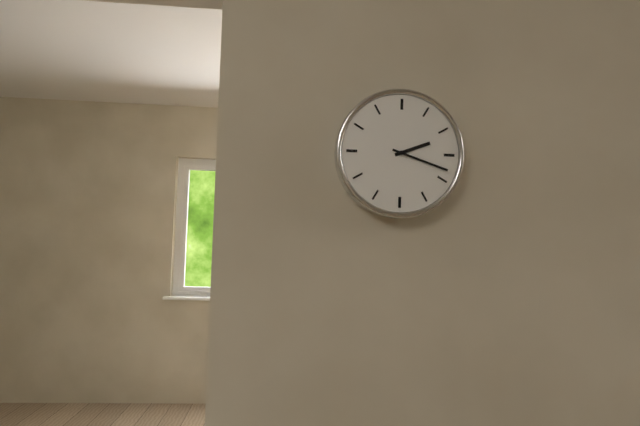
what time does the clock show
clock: 2:18
